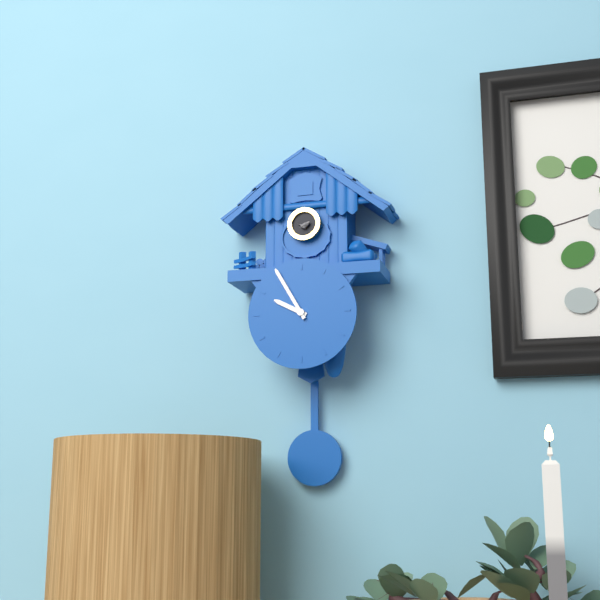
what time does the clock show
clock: 9:55
